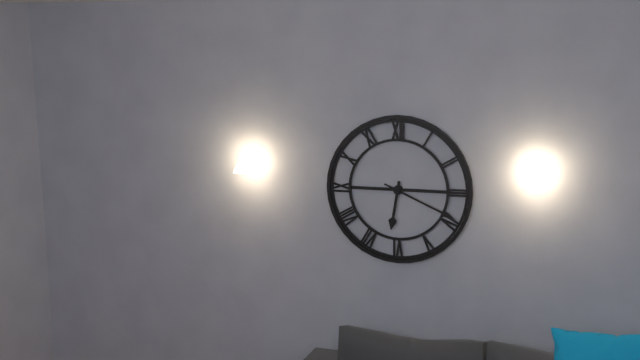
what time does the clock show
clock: 6:19
